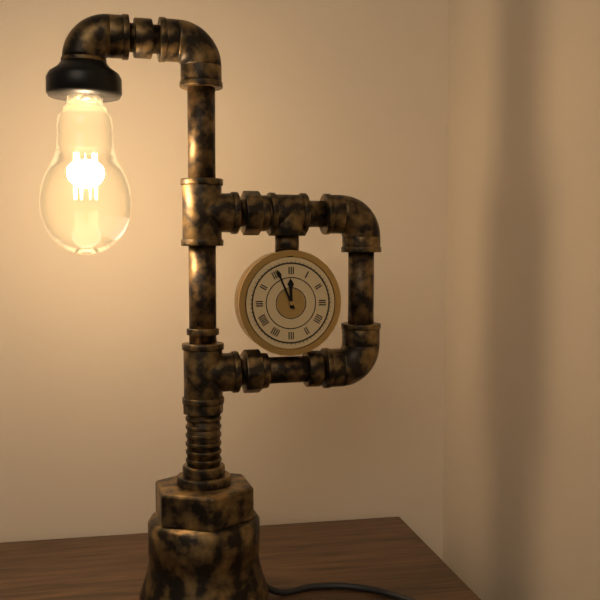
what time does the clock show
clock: 11:56
